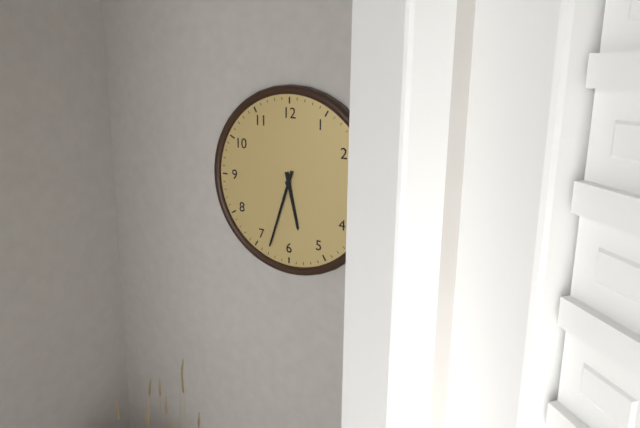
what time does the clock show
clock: 5:33
